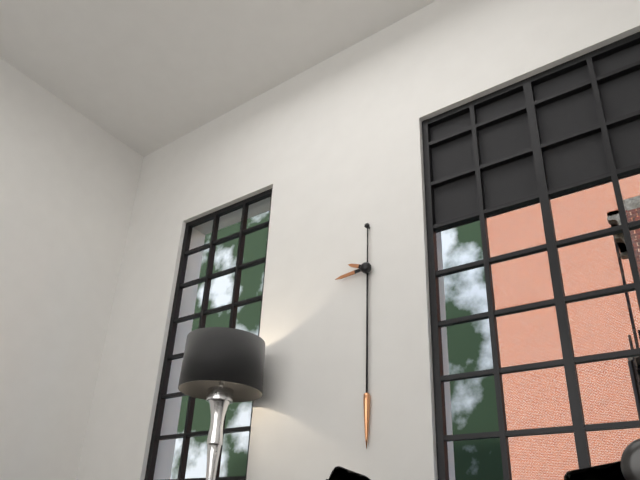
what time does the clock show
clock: 9:44
